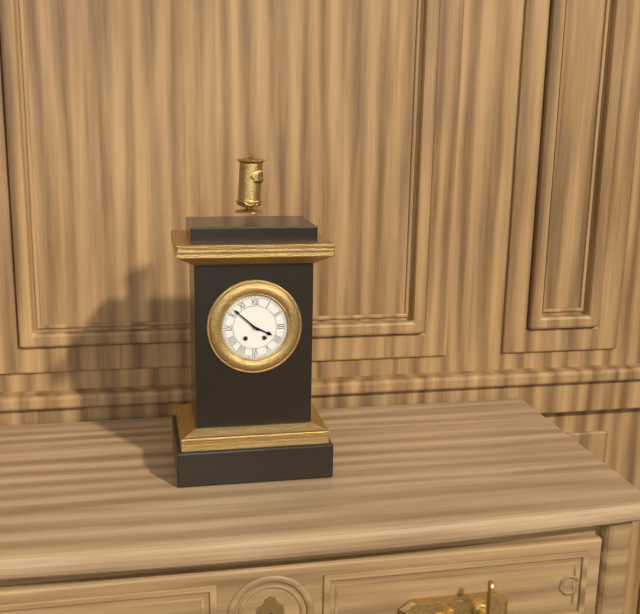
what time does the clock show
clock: 3:52
